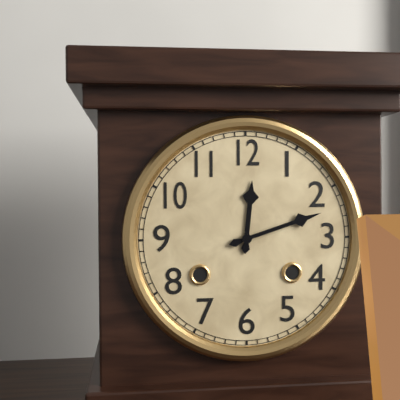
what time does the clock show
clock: 12:12
